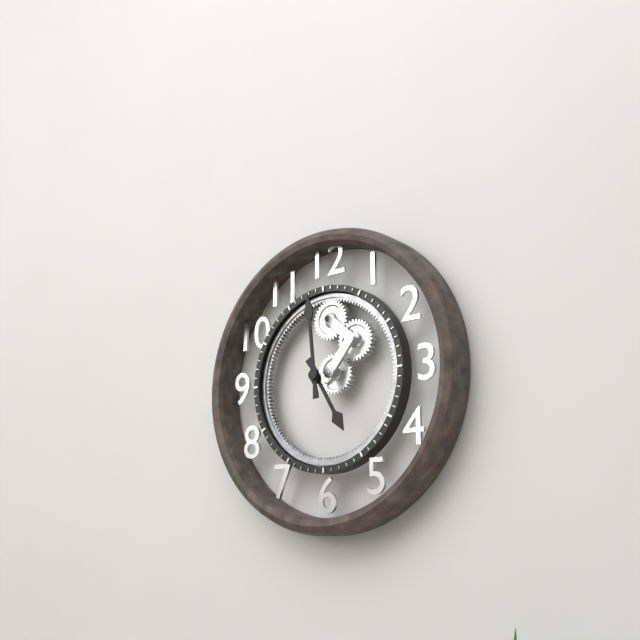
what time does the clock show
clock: 4:59
